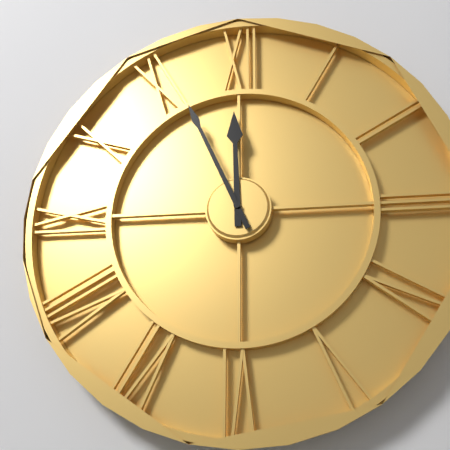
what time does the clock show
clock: 11:56
